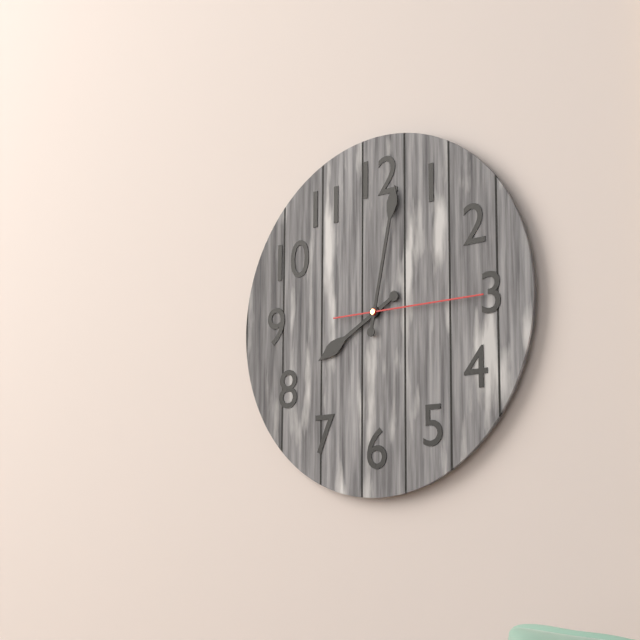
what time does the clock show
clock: 8:02:15
